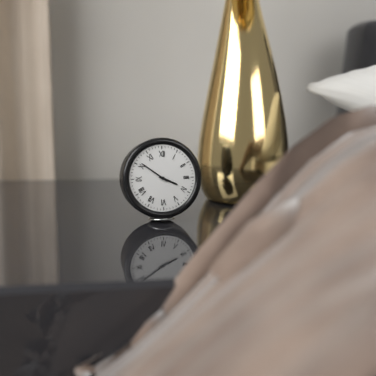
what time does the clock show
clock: 3:51
